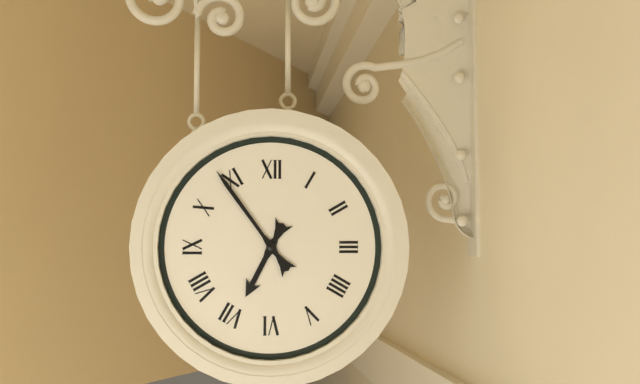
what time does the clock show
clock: 6:54
